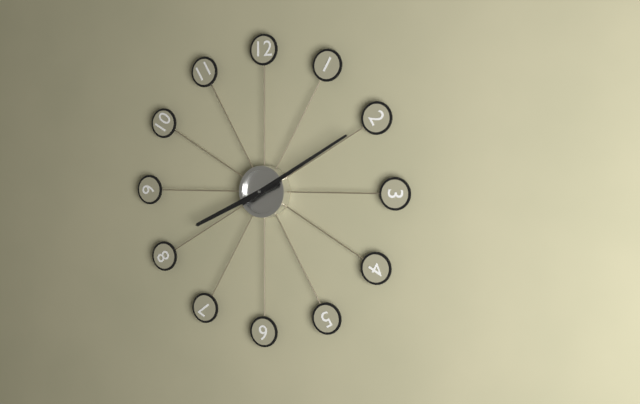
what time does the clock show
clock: 8:10
